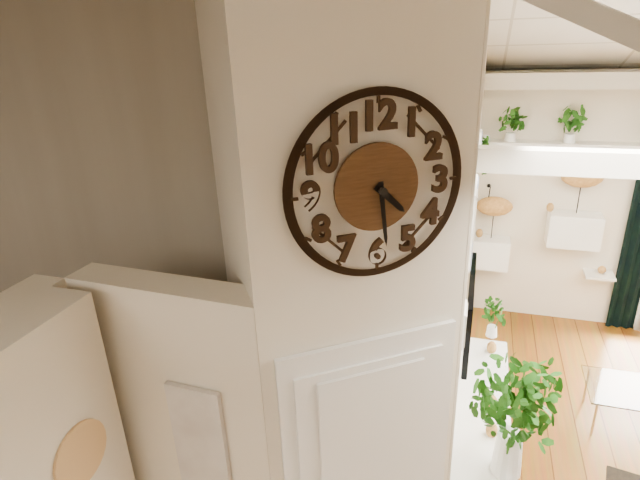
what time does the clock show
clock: 4:29
